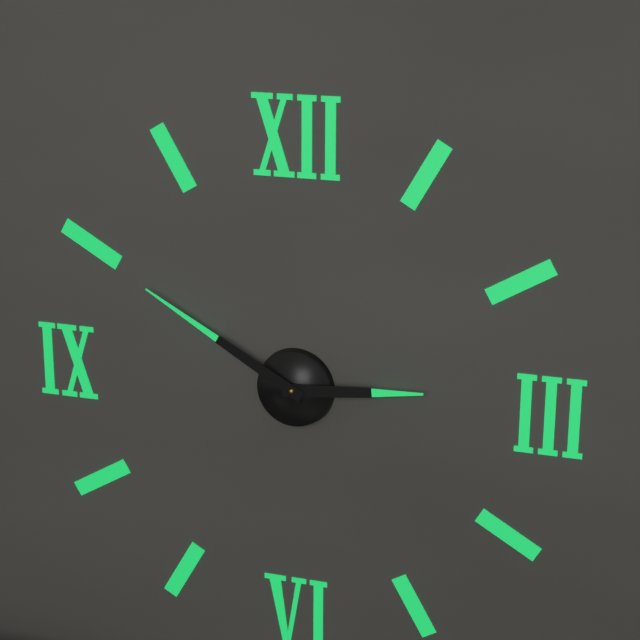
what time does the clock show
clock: 2:50
